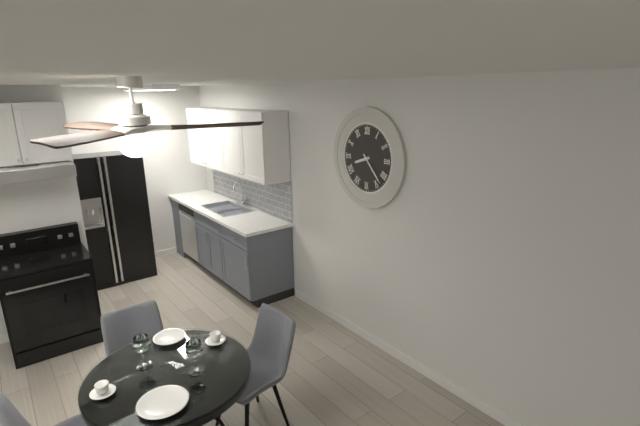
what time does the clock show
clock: 8:23
